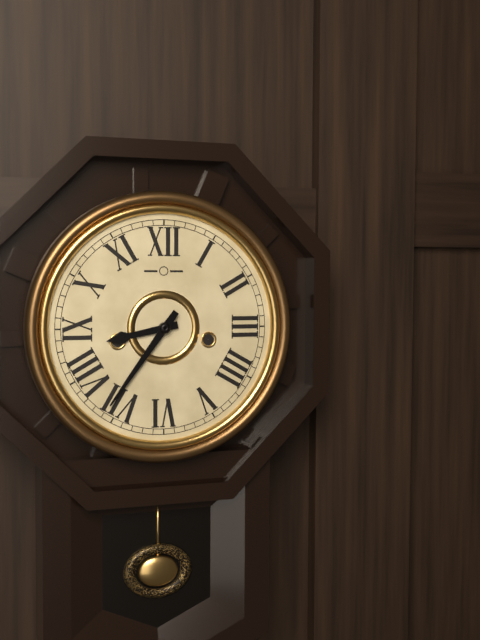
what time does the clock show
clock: 8:36
